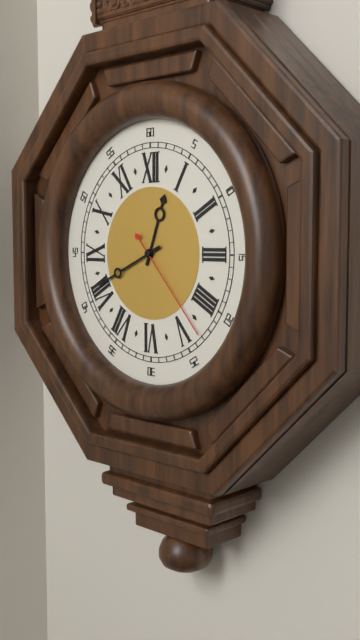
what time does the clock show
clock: 12:41:23
